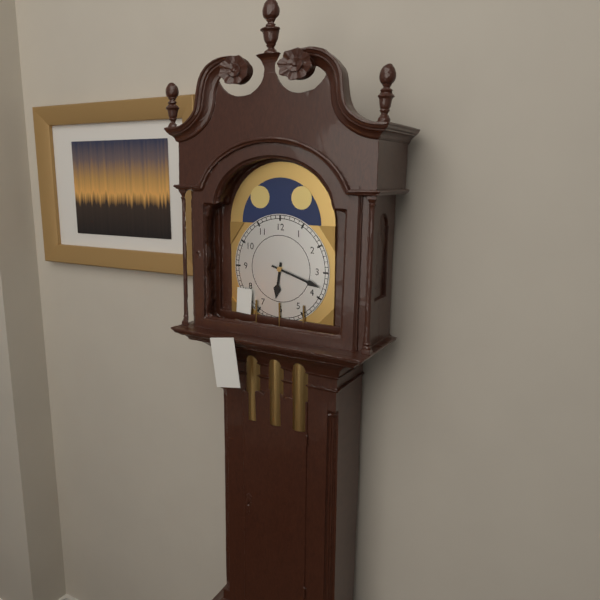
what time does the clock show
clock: 6:18
